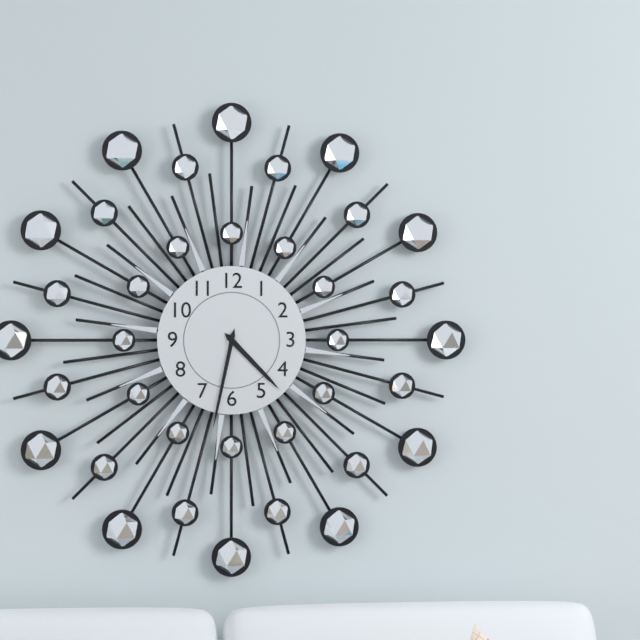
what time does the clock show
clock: 4:32
